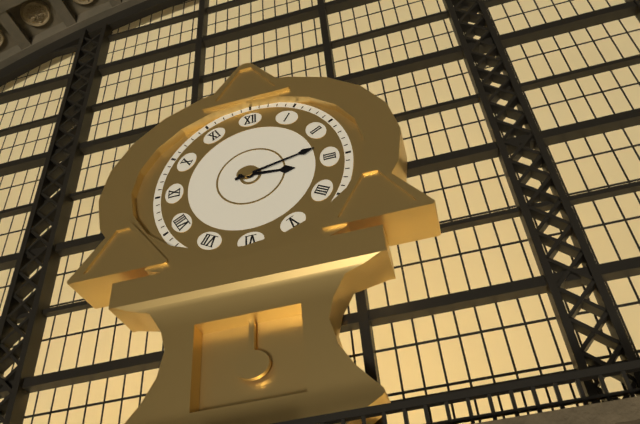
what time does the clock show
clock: 3:13
